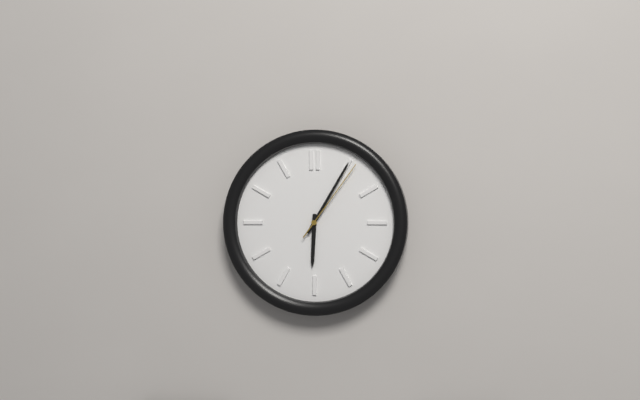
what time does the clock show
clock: 6:05:06
